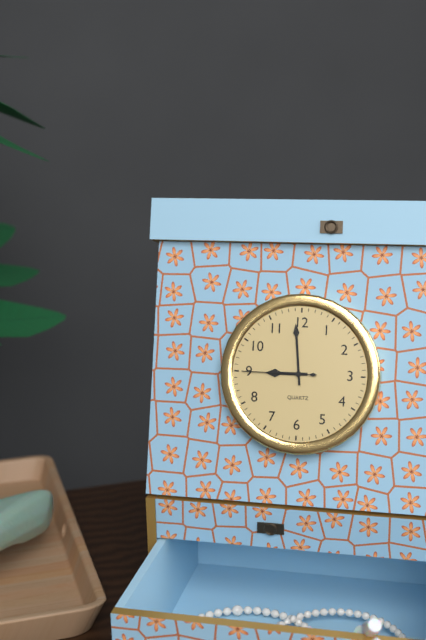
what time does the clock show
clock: 8:59:45
